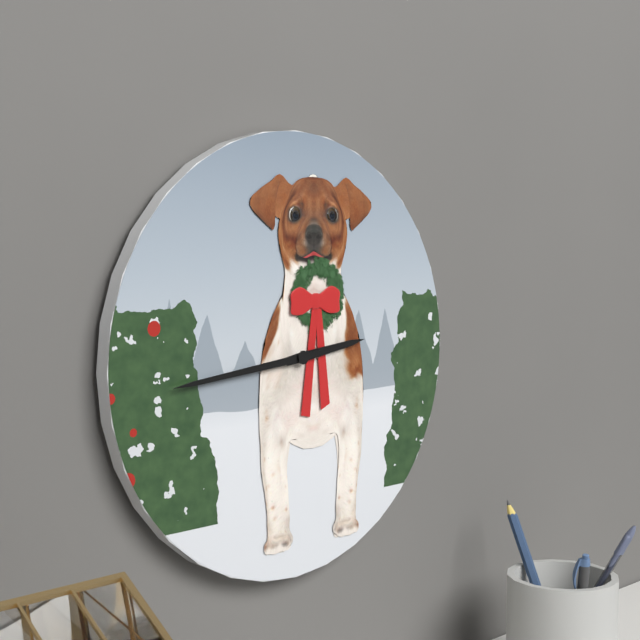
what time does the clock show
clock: 2:44
